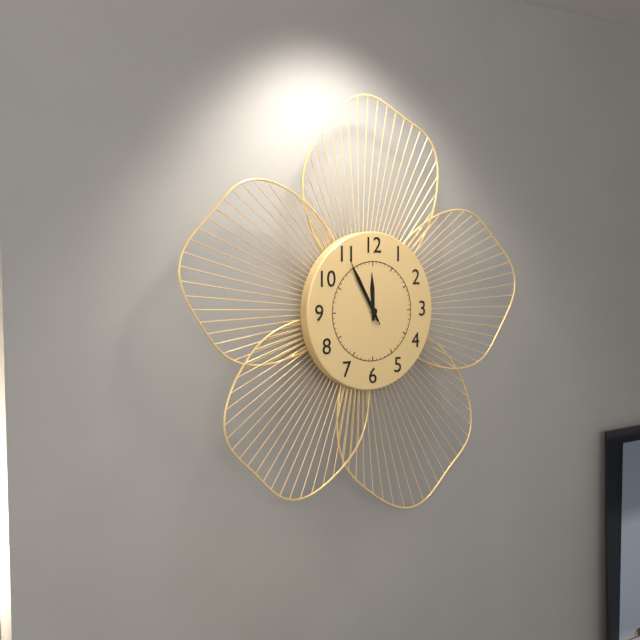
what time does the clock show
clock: 11:55:55
